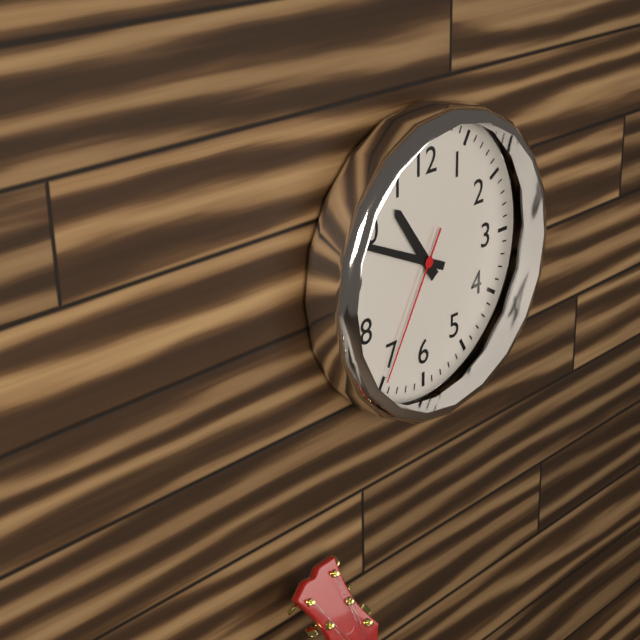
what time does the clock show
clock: 10:49:35
